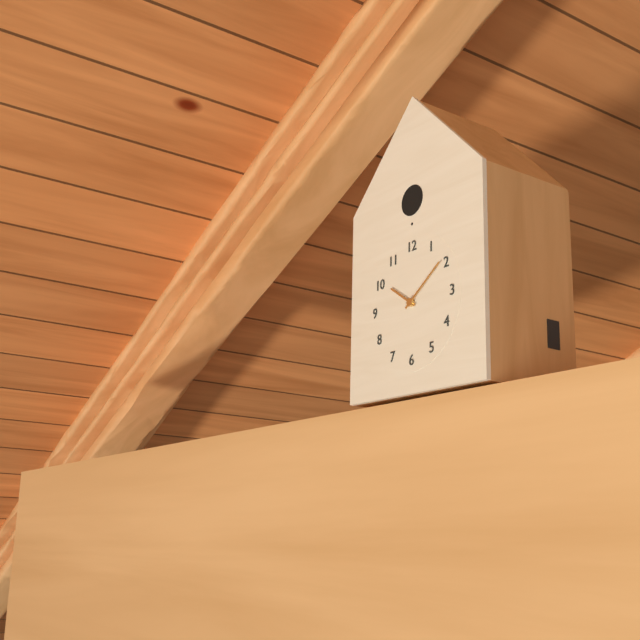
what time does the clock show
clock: 10:09
